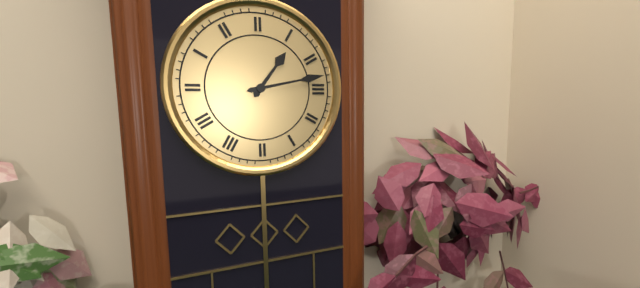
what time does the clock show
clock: 1:13
